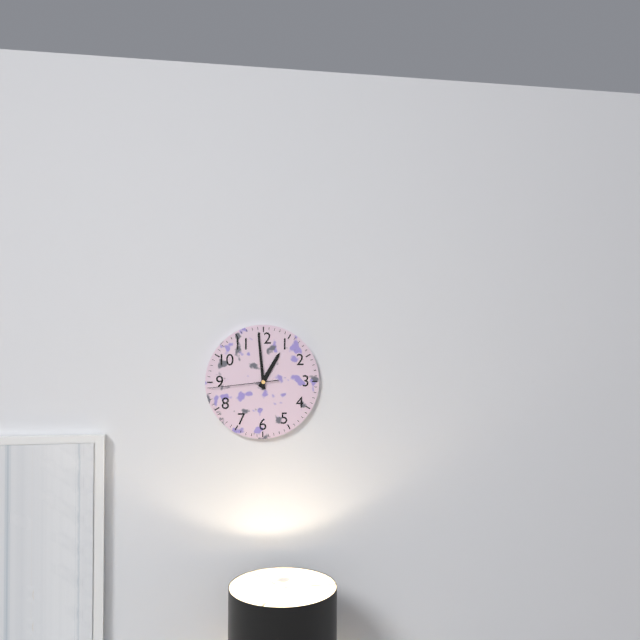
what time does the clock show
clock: 12:59:44
